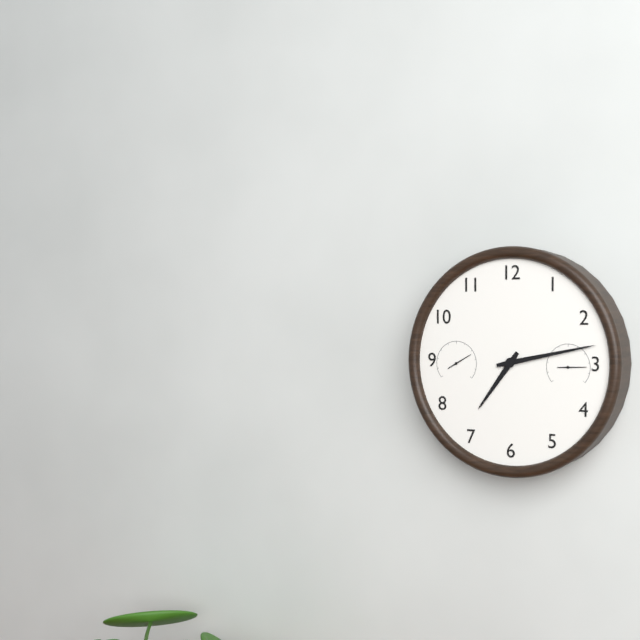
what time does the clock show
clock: 7:13
